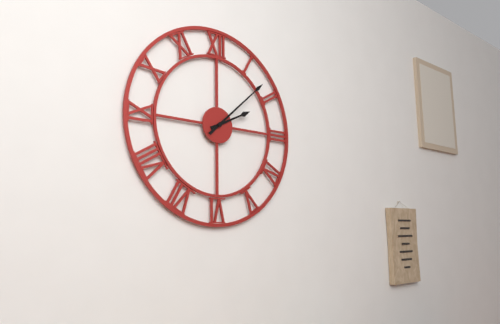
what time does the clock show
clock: 2:08
